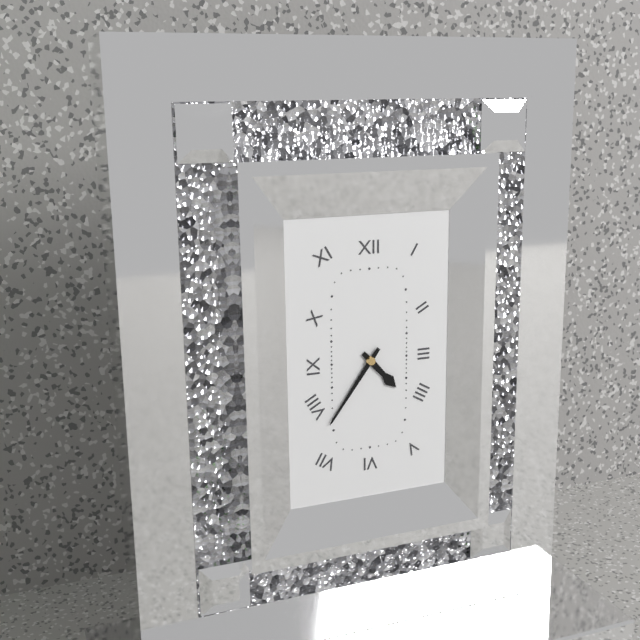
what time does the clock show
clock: 4:36
